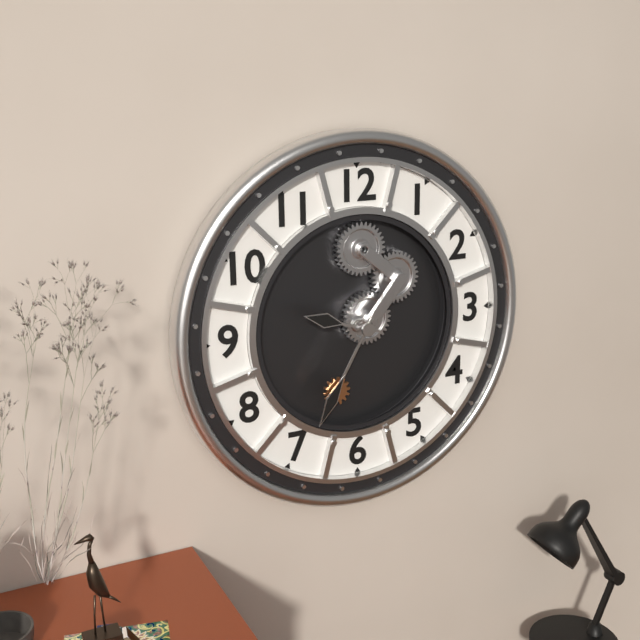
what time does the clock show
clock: 9:35
